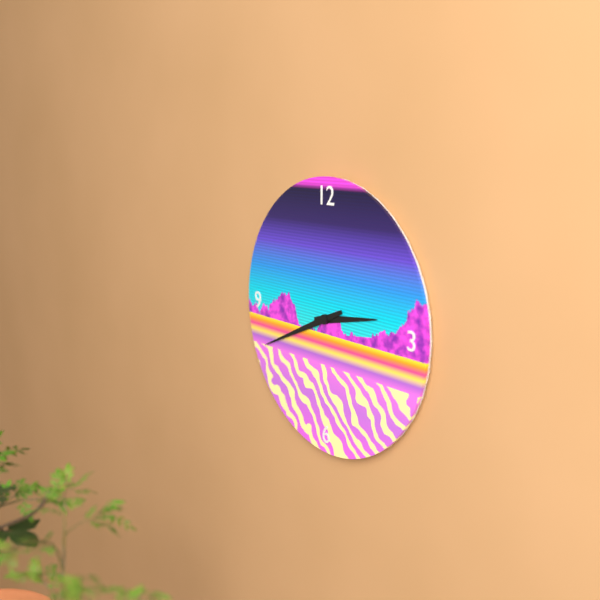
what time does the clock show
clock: 2:41
